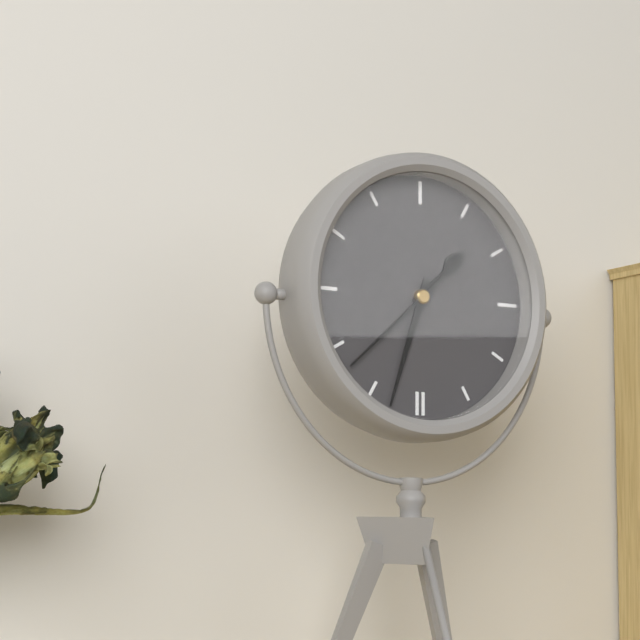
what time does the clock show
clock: 1:33:38
